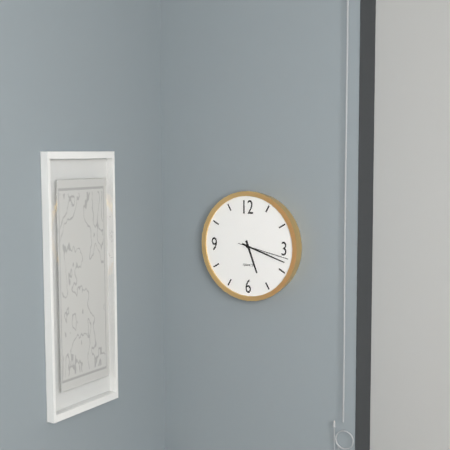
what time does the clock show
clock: 5:18:17
